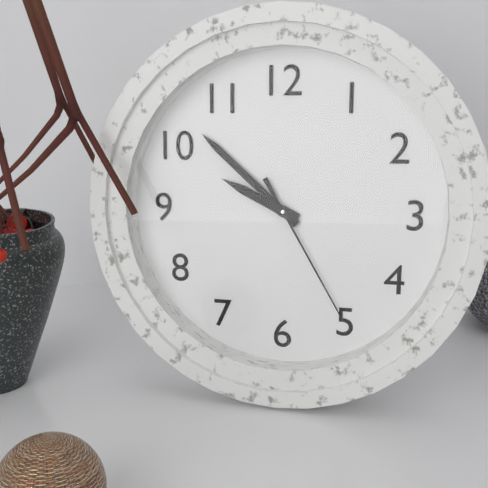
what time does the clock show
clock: 9:52:25
